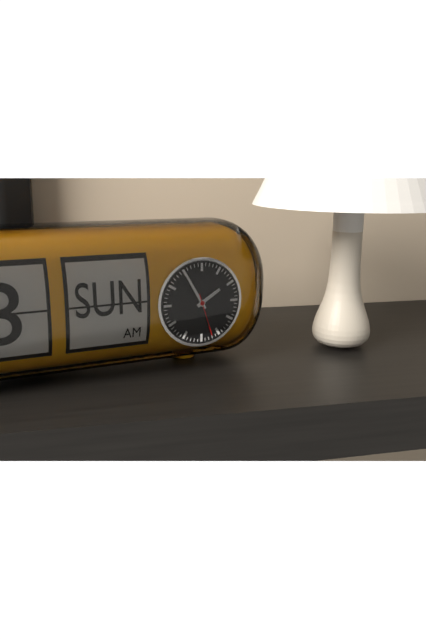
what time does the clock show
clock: 1:55:27
